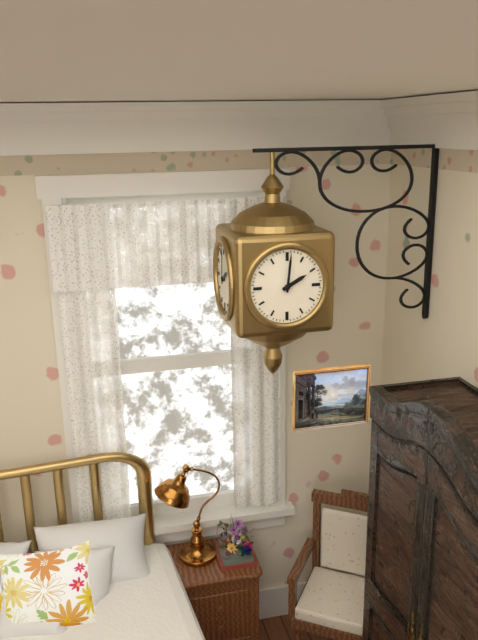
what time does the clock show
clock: 2:01
